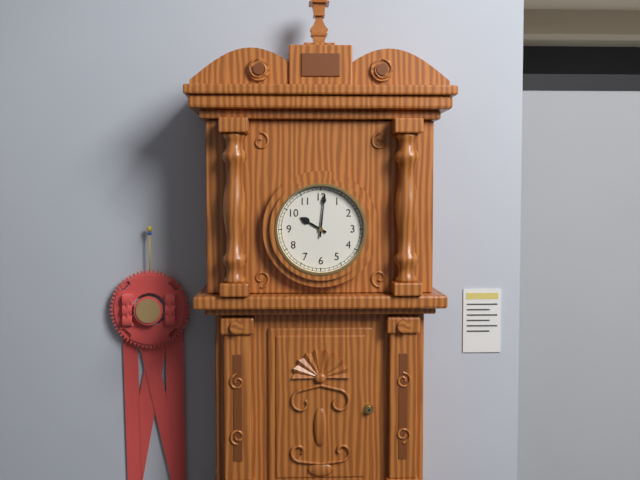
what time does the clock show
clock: 10:01
